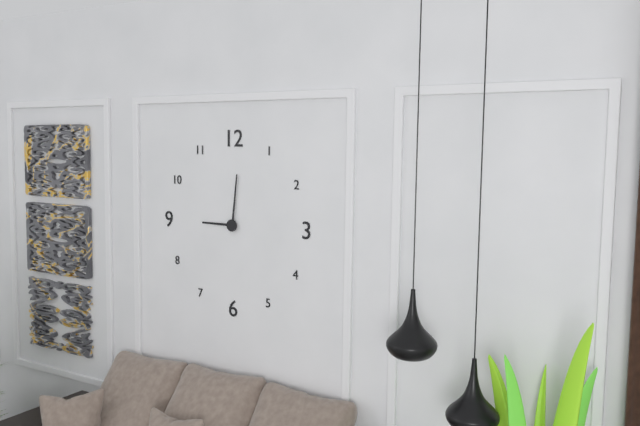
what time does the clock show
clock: 9:01
